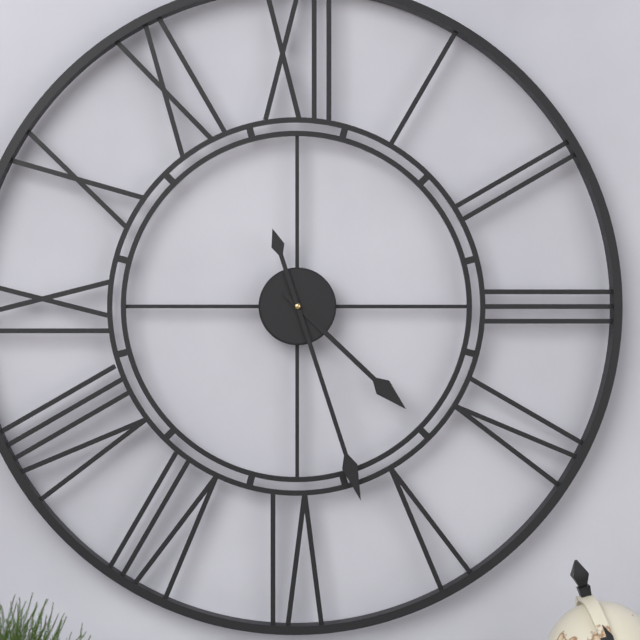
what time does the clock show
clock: 4:27
